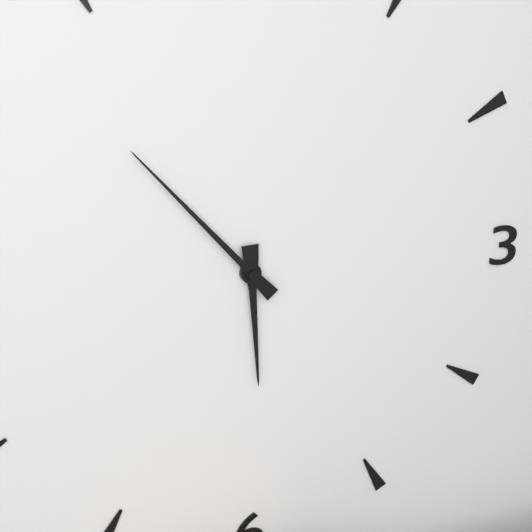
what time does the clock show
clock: 5:53
